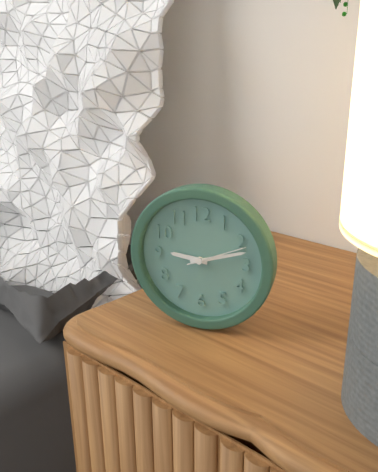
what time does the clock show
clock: 9:12:11
